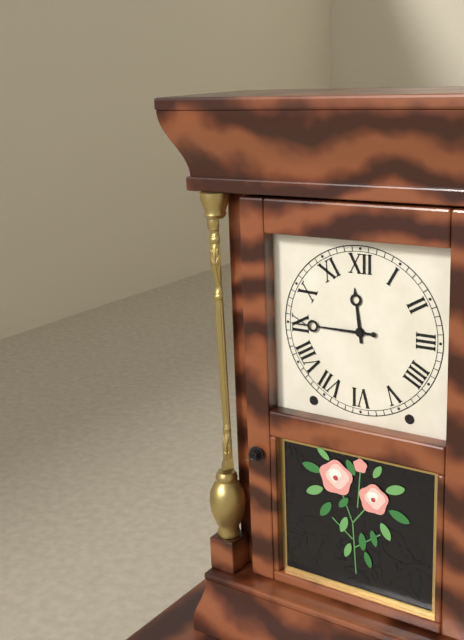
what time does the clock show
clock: 11:45
